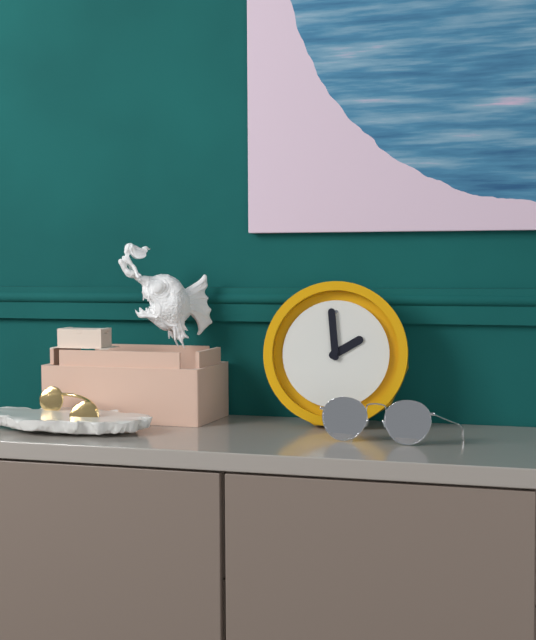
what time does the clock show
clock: 1:59
